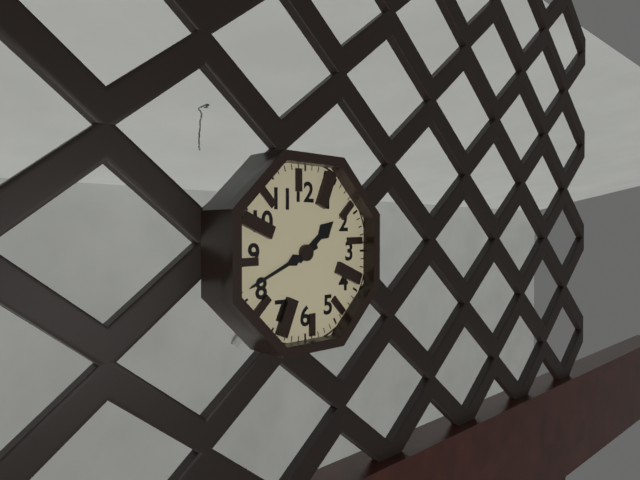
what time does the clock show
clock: 1:41
